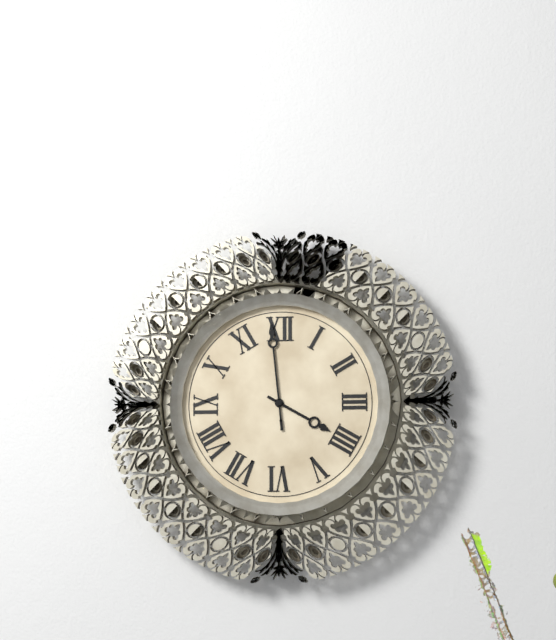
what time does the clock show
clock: 3:59
